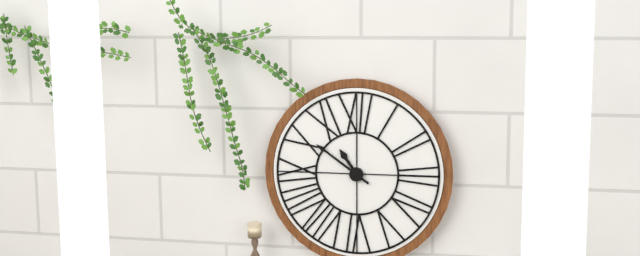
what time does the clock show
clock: 10:51
